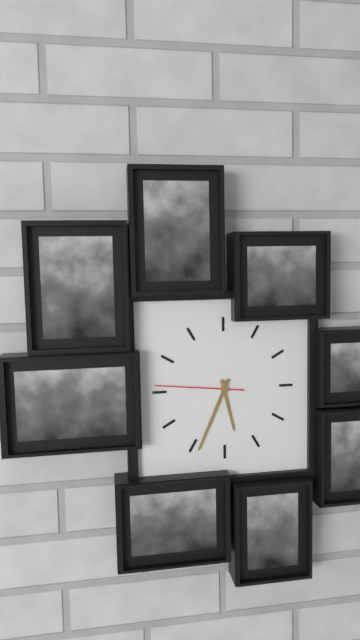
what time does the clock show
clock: 5:34:46
